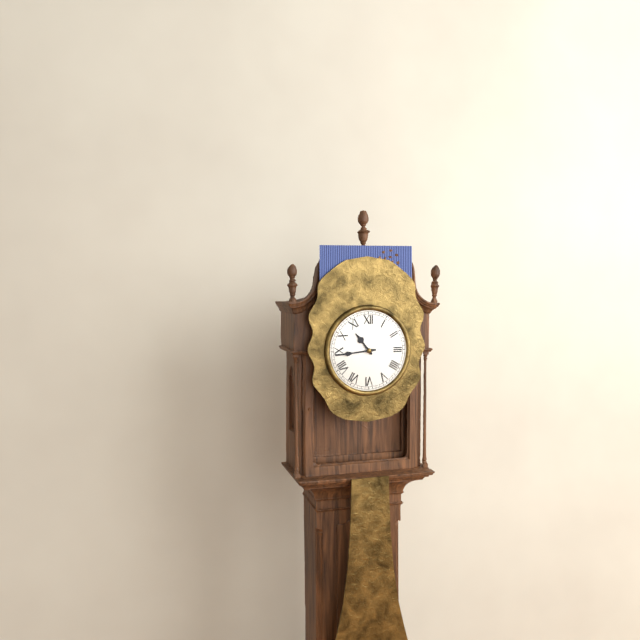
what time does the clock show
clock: 10:44
